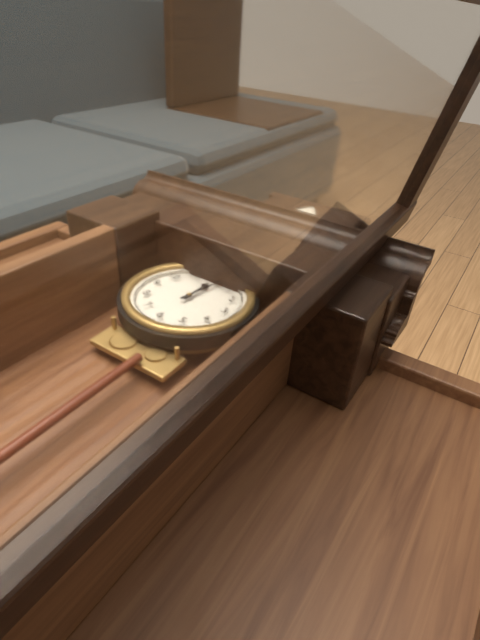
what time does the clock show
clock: 12:02
